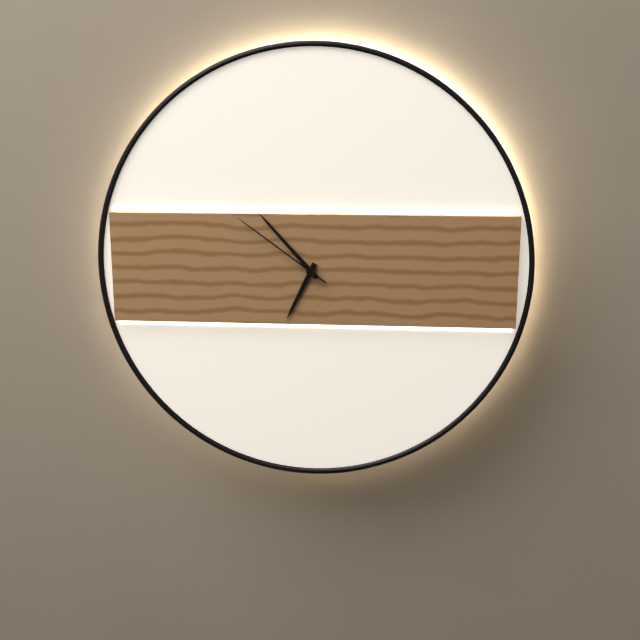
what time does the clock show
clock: 6:53:51
